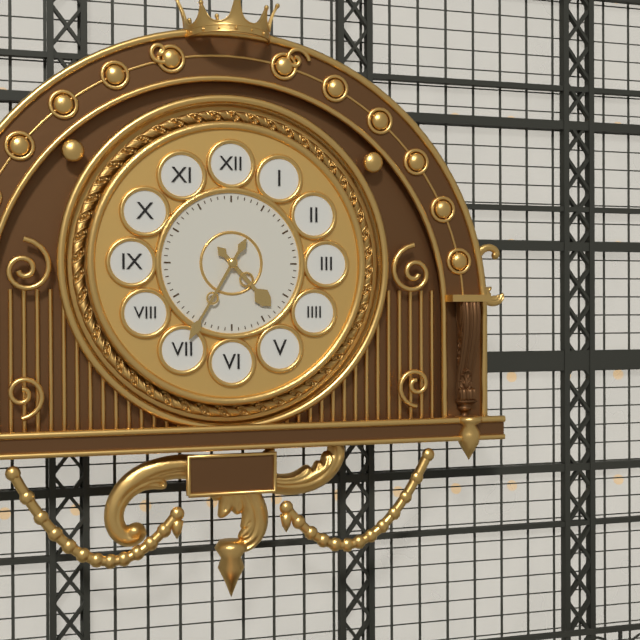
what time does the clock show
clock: 4:35
